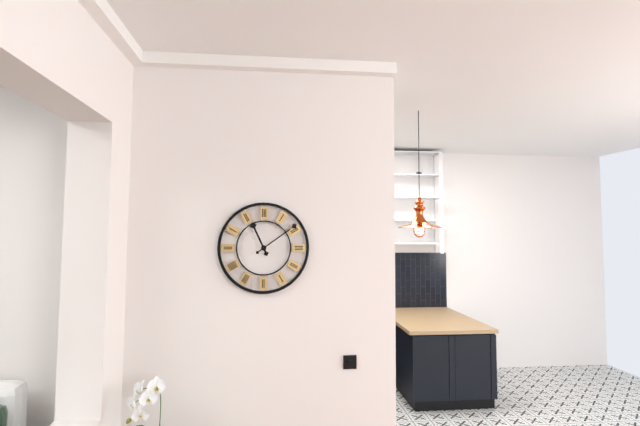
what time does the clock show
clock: 11:09
